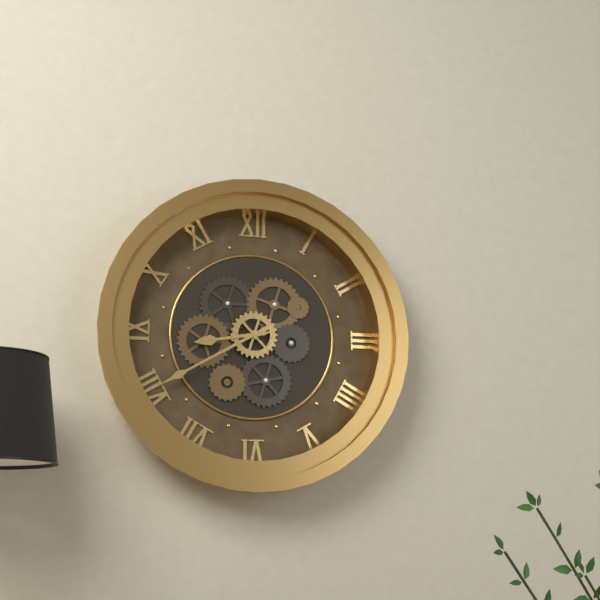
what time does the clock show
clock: 8:40
